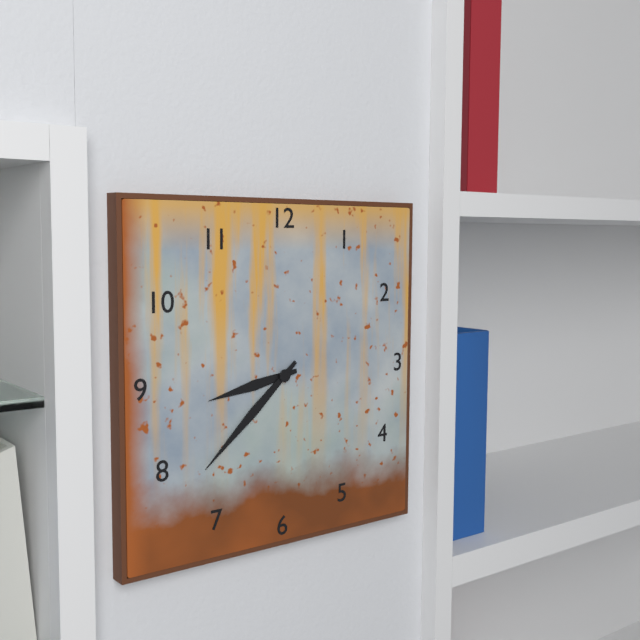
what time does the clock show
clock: 8:38
